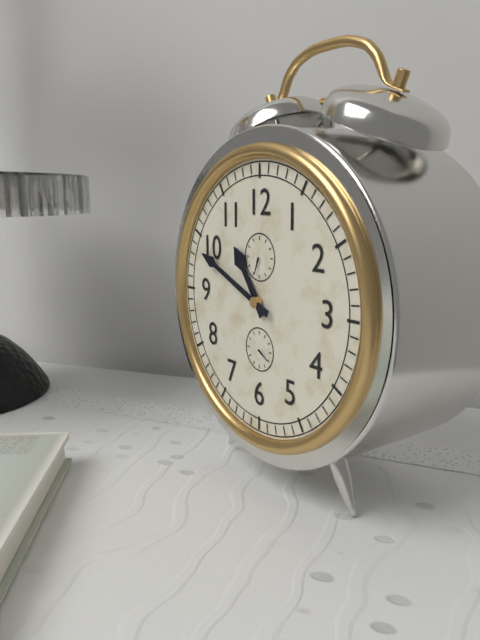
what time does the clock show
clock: 10:49
